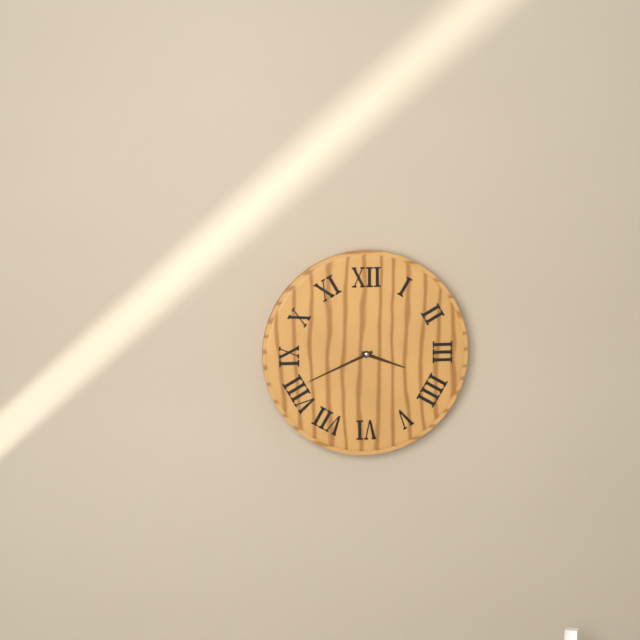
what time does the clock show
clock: 3:41
